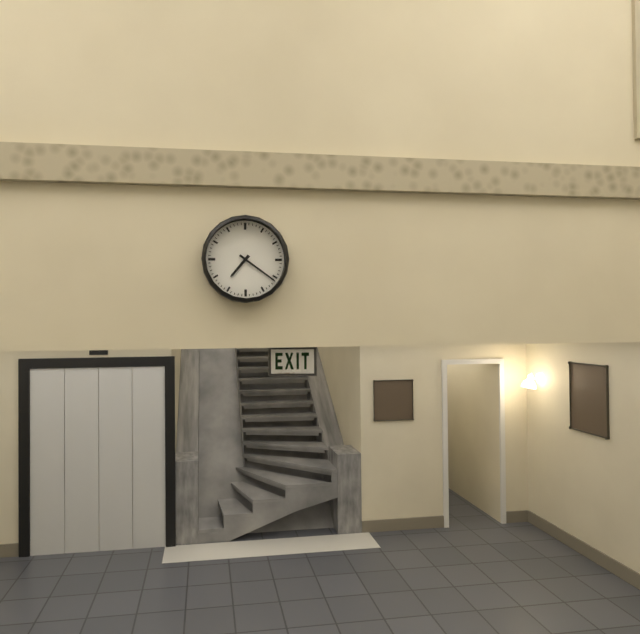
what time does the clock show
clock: 7:21
